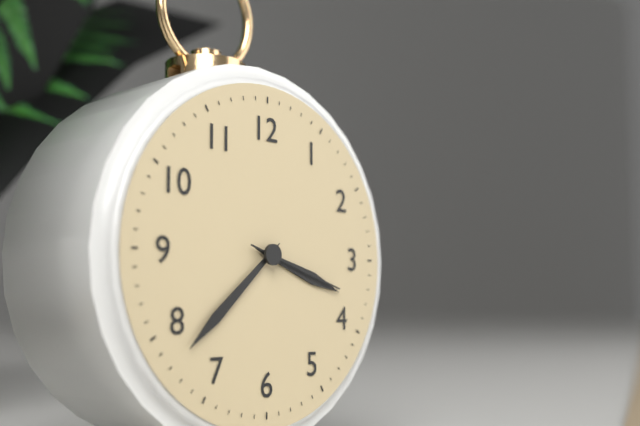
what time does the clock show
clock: 3:38:18
